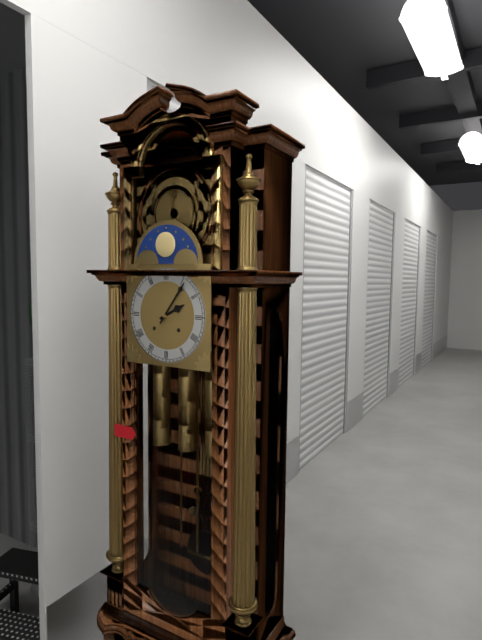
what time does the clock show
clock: 2:06
